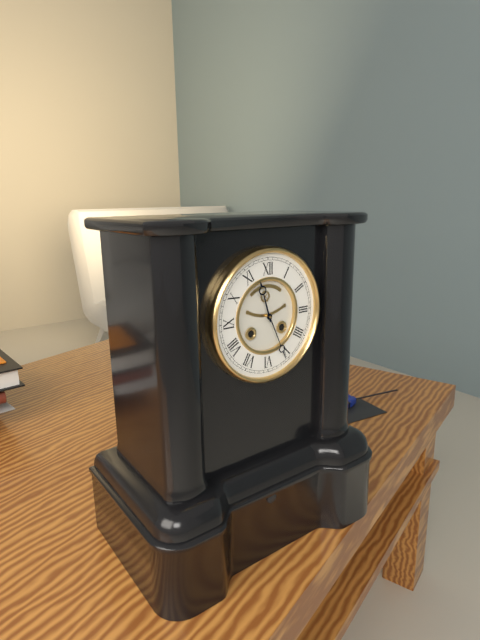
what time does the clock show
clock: 11:26
